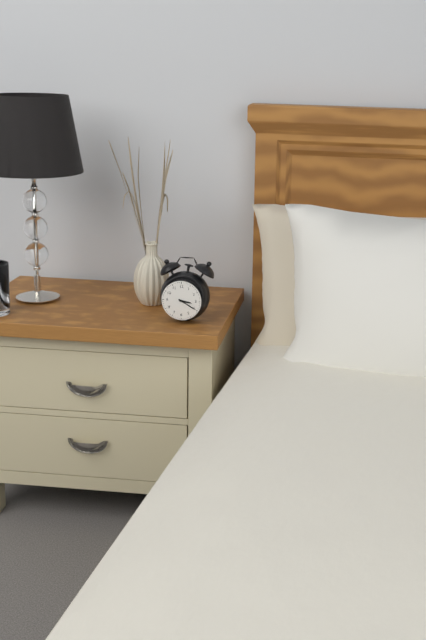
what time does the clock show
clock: 3:20
